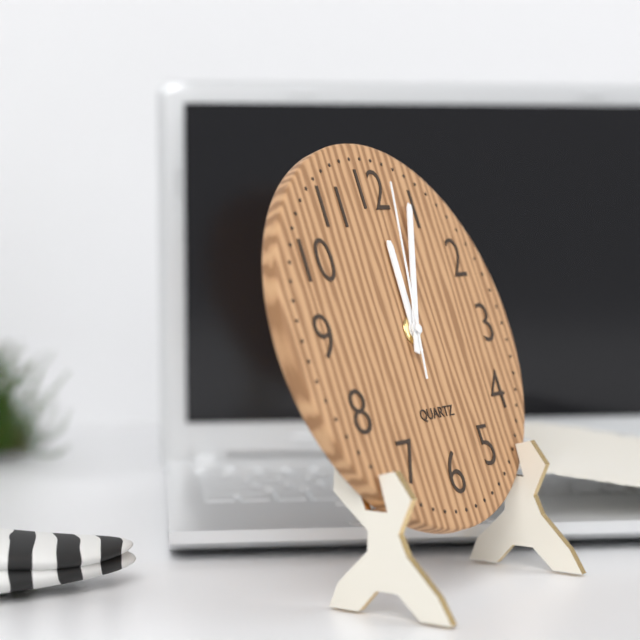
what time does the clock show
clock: 12:04:02
